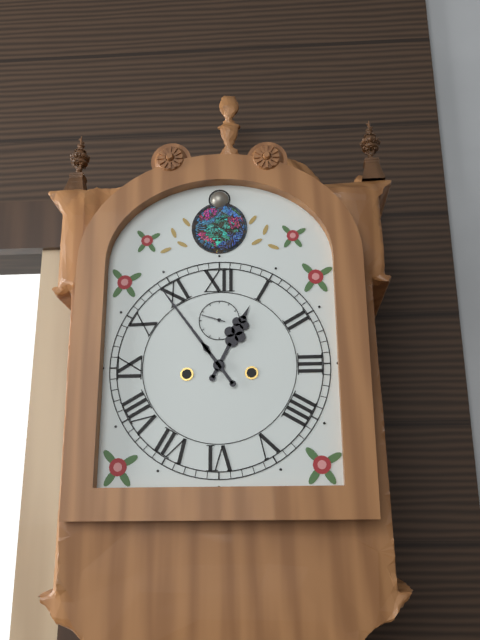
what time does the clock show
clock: 12:54
